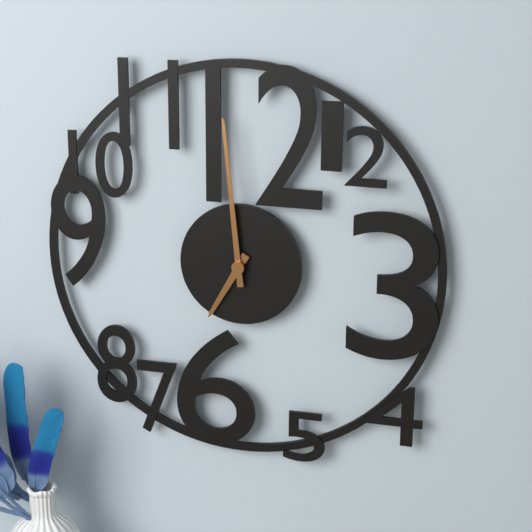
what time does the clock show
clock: 6:59
